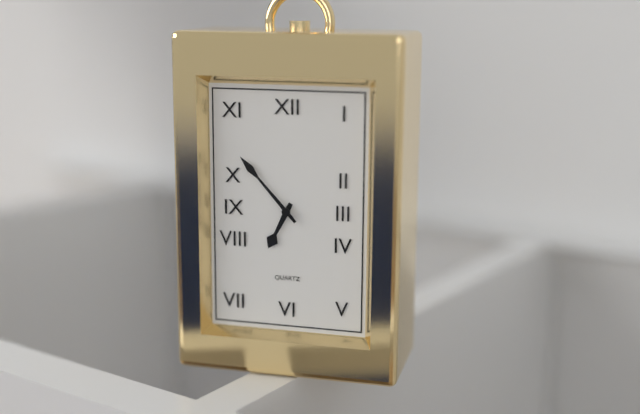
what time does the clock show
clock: 6:53
